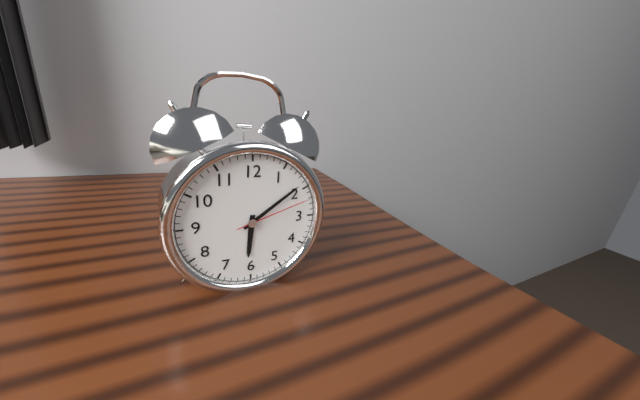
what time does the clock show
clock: 6:09:12
